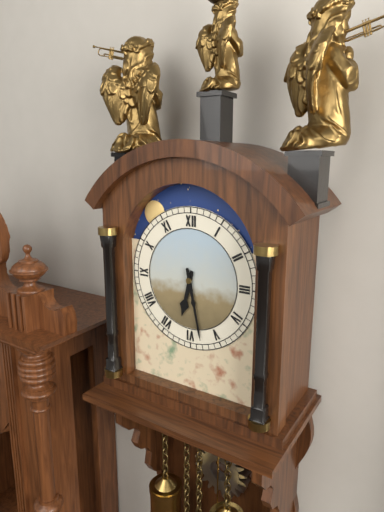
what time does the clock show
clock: 6:28
